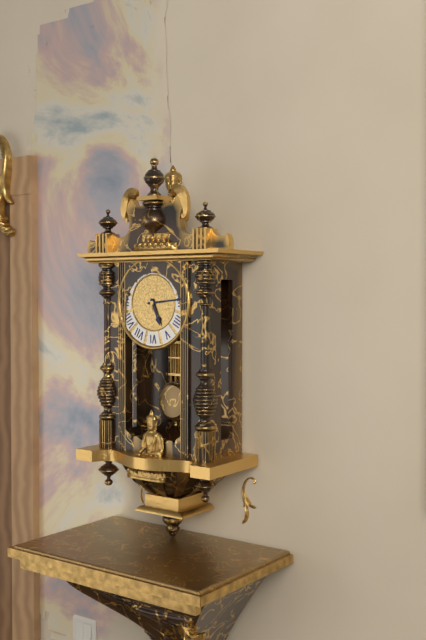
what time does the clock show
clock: 5:14
